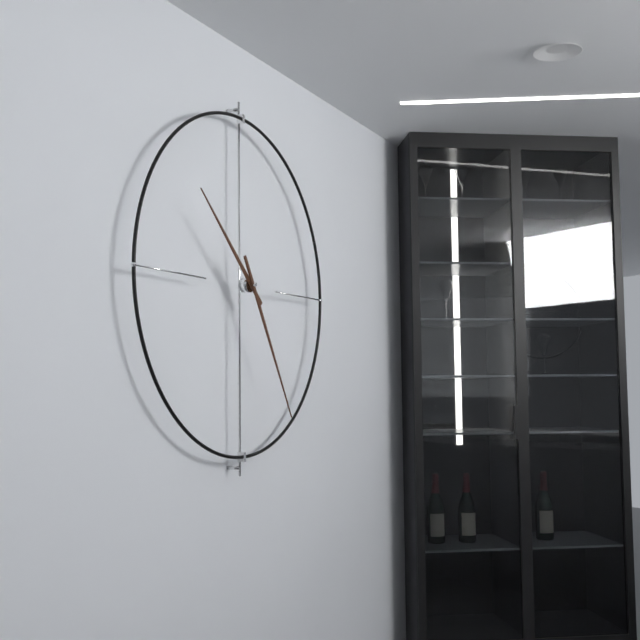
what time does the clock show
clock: 10:25
